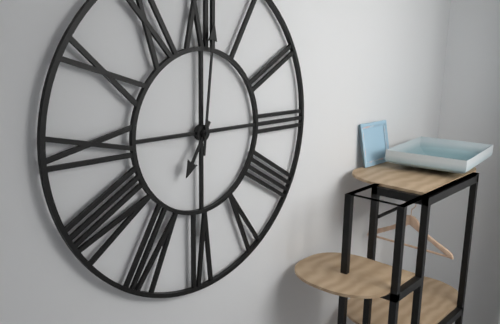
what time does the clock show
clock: 7:01
